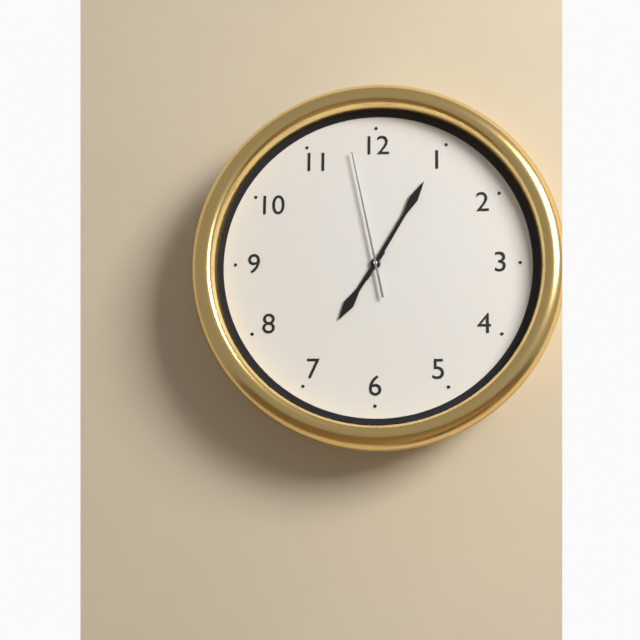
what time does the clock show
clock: 7:05:58
